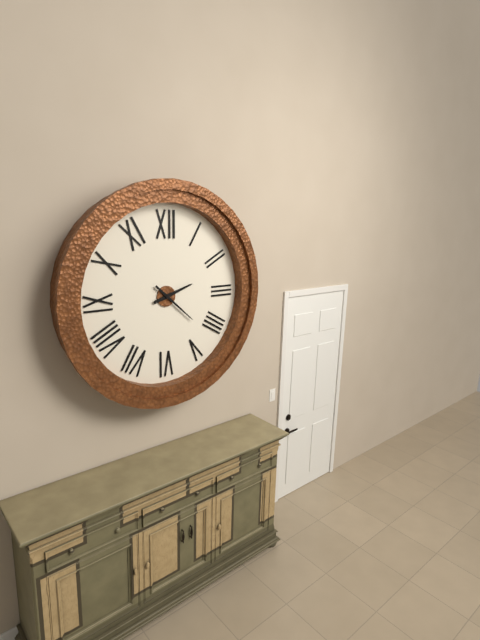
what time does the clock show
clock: 2:22
